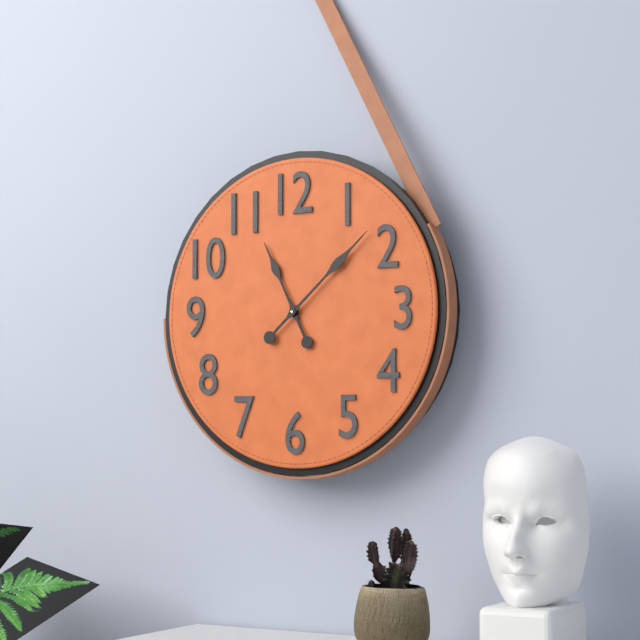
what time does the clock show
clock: 11:08
